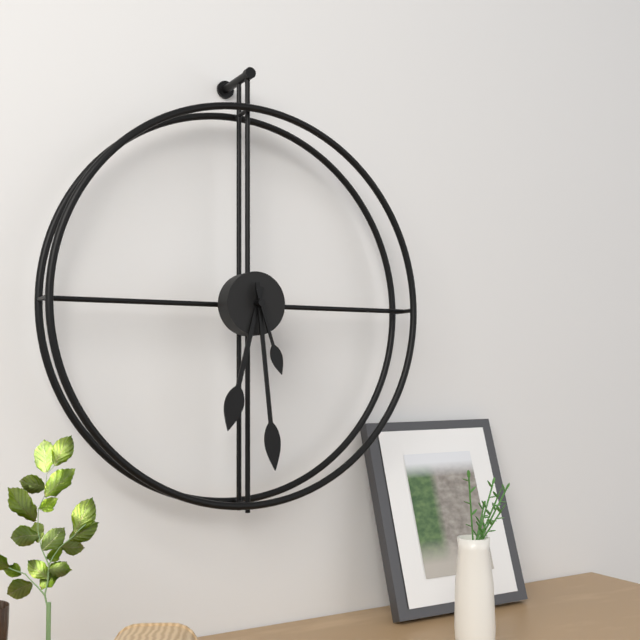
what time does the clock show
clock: 6:29:27
